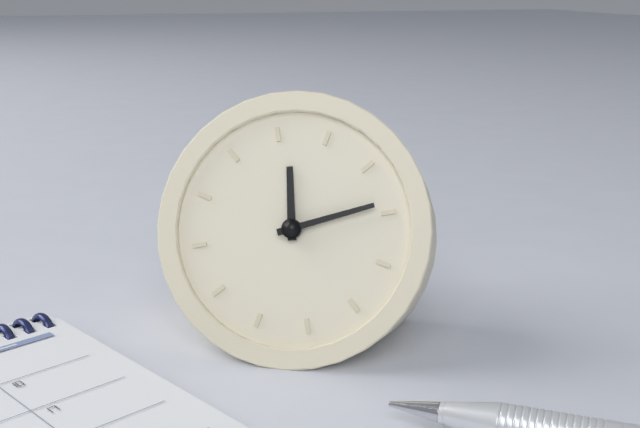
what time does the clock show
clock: 12:14
